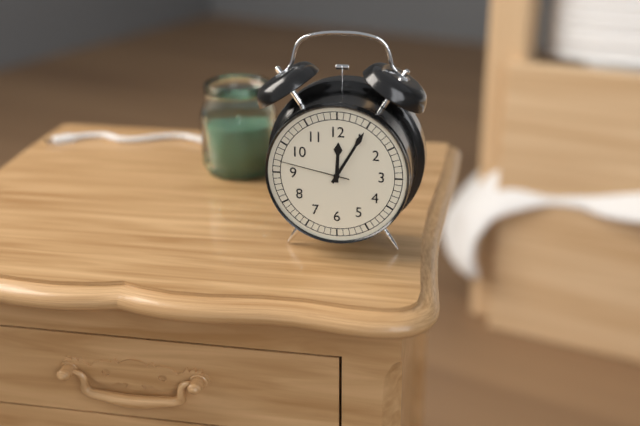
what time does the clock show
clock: 12:05:47
